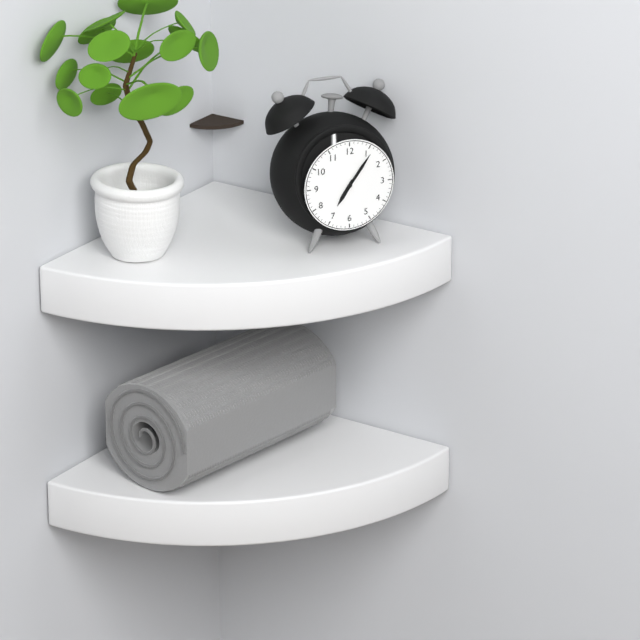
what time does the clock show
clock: 7:06
